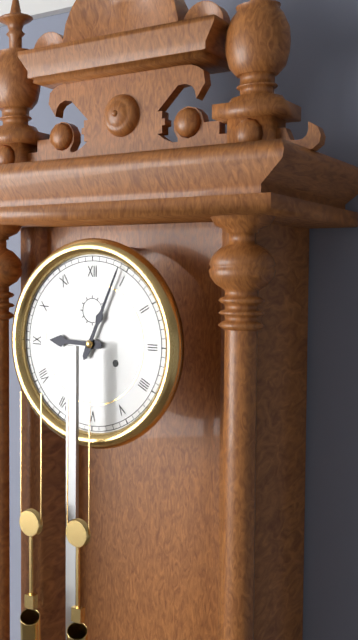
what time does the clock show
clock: 9:04
